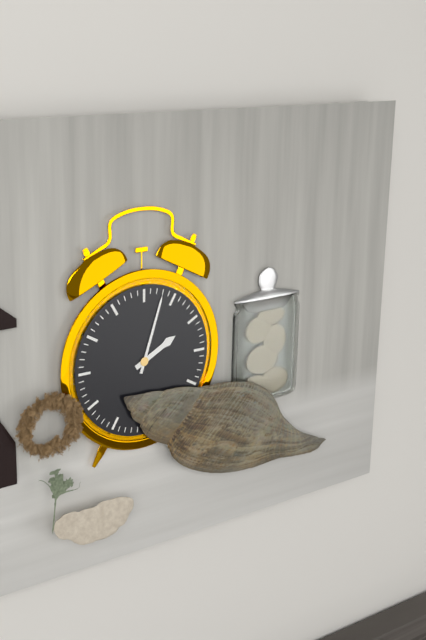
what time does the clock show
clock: 2:03
